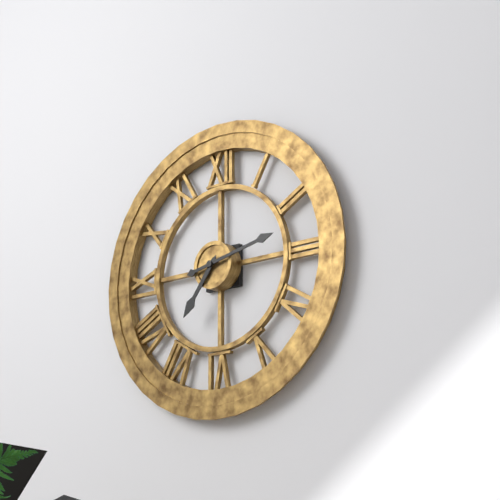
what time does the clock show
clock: 7:13
